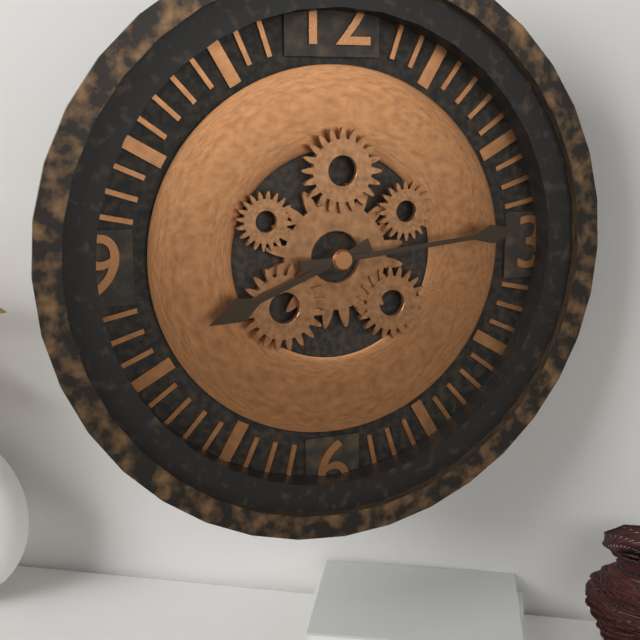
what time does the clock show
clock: 8:14
